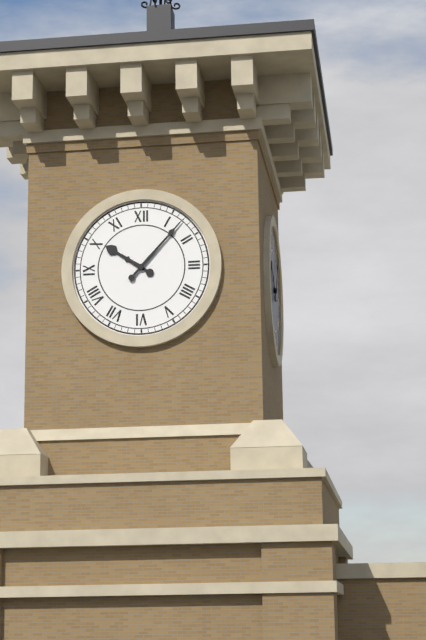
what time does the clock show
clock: 10:07
